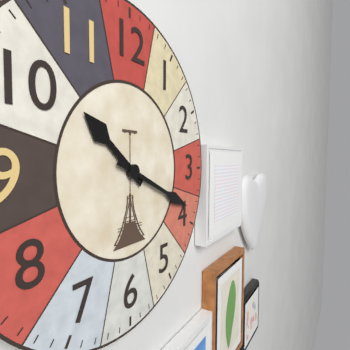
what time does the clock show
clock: 10:19
